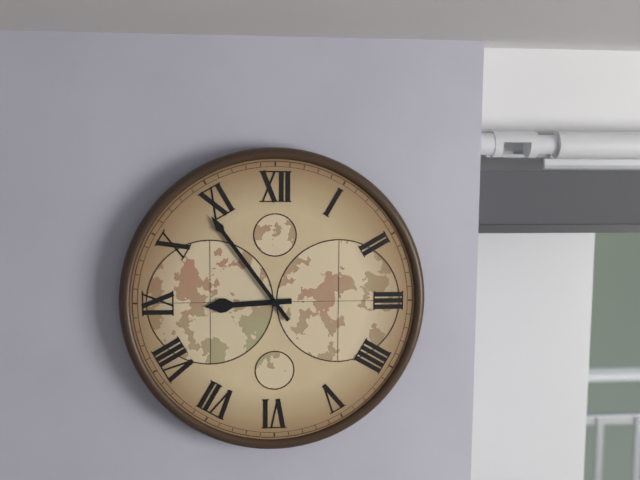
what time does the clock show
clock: 8:54
